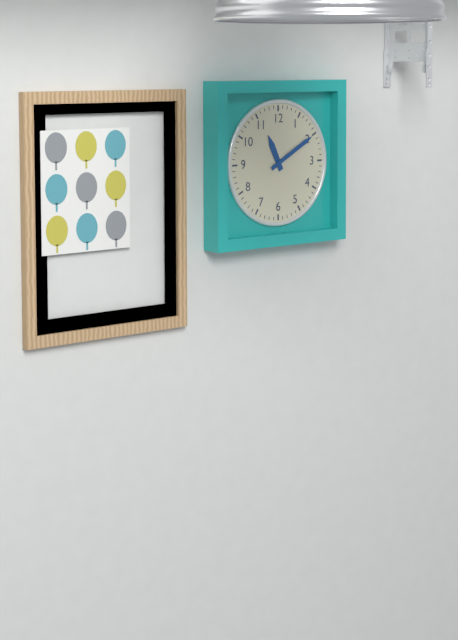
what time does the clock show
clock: 11:10
